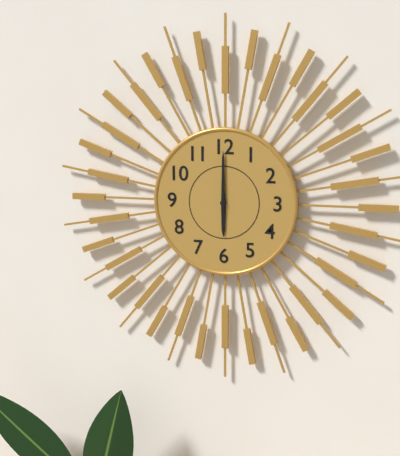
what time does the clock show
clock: 6:00
